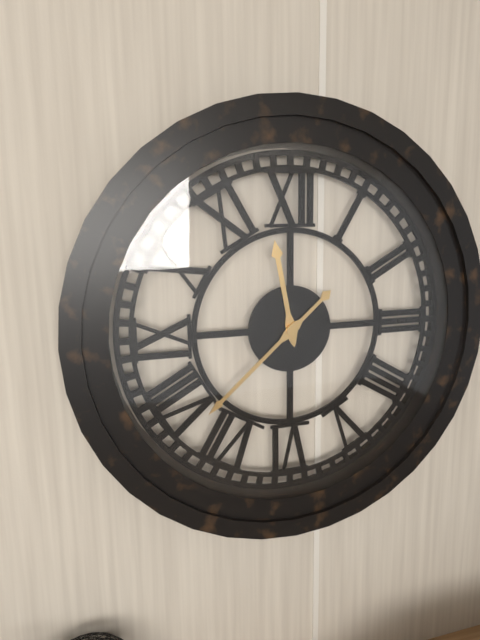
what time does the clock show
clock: 11:38
